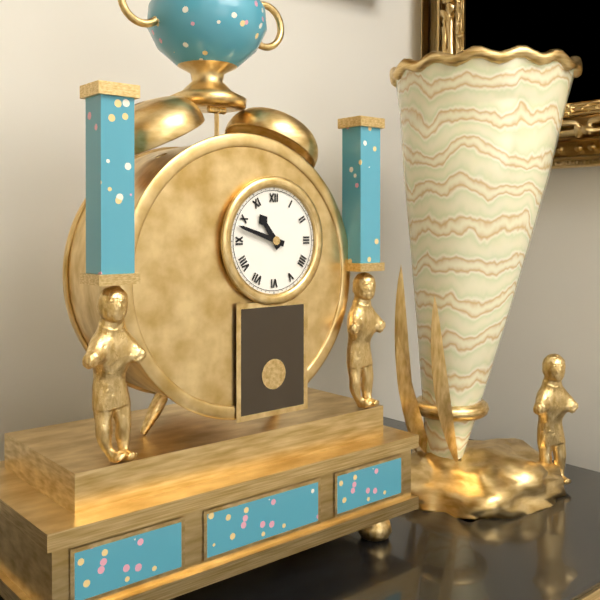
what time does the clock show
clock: 10:48
